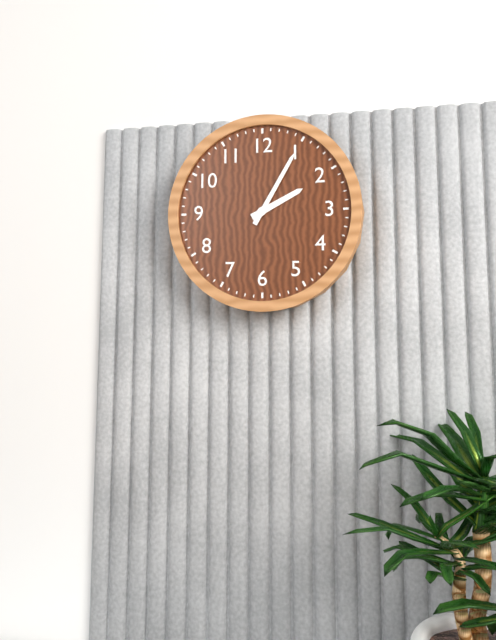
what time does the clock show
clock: 2:05
